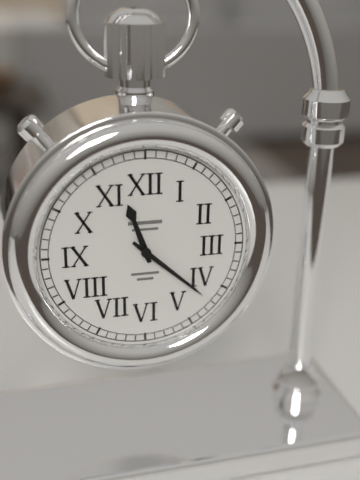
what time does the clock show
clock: 11:22
